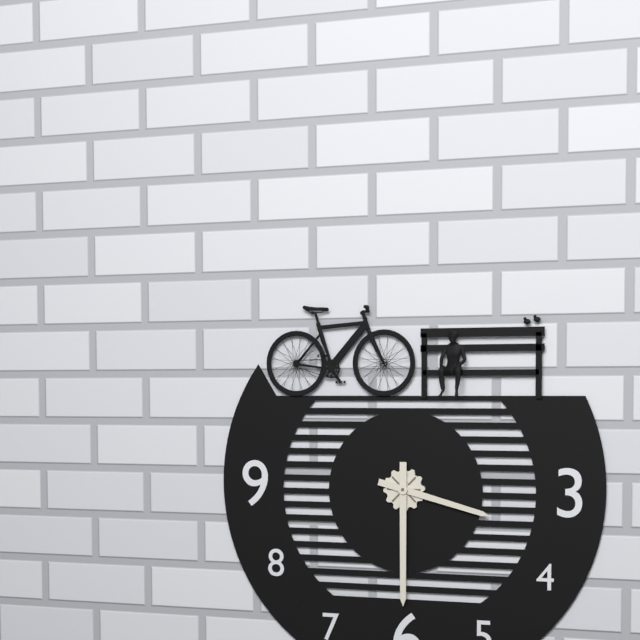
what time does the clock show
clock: 3:30
